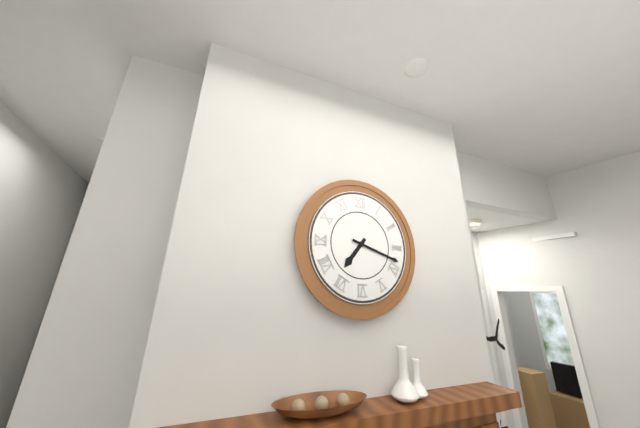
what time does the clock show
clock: 7:18
